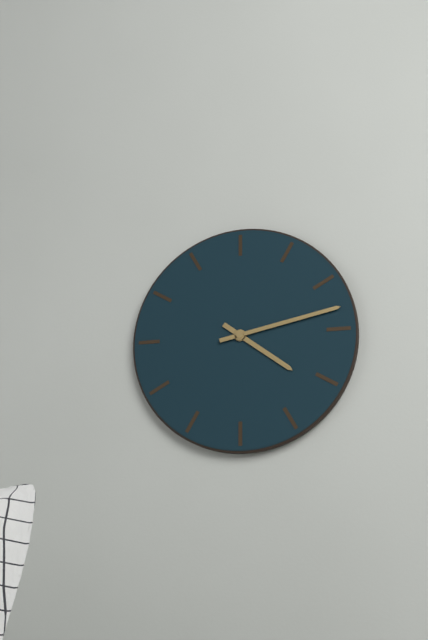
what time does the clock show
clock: 4:13
